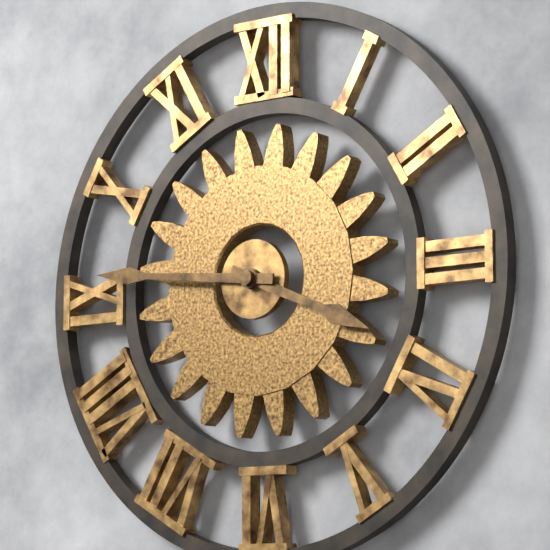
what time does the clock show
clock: 3:46
